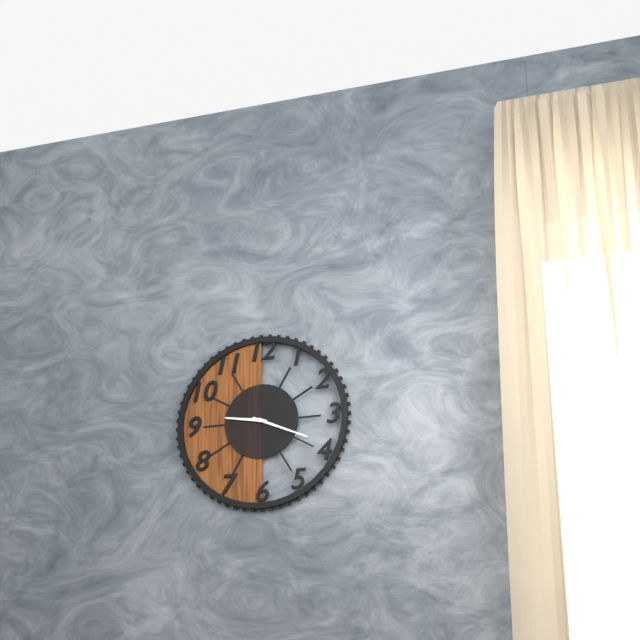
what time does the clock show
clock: 9:19
